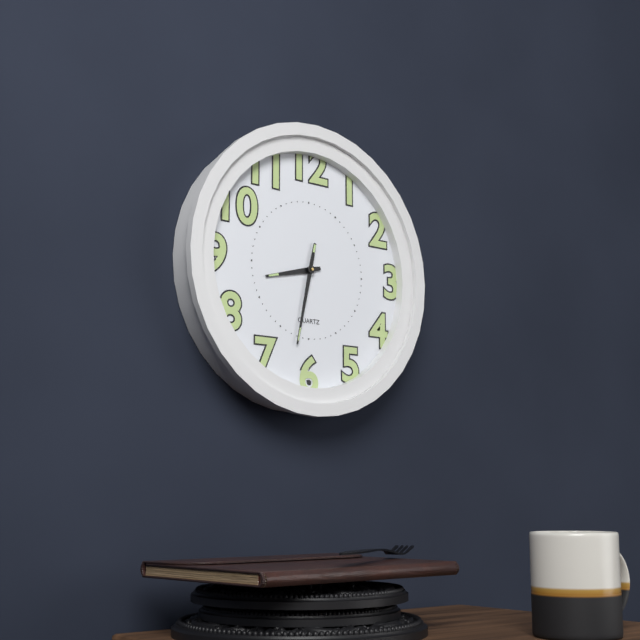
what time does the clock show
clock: 8:32
